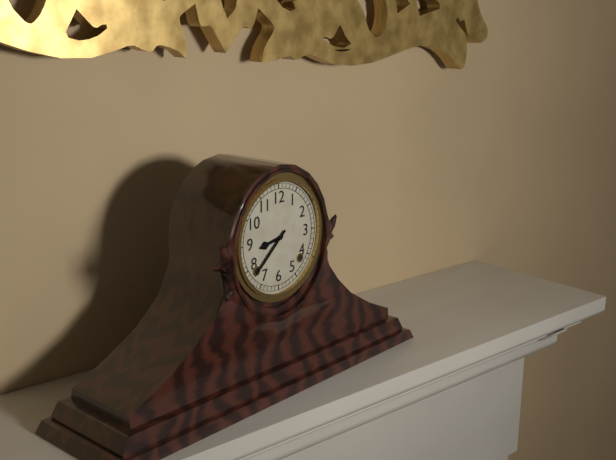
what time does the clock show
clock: 8:38
